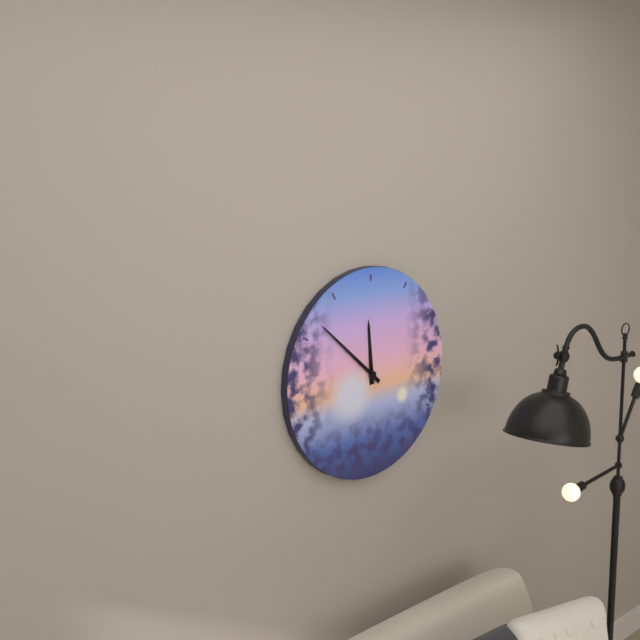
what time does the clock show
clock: 11:52
